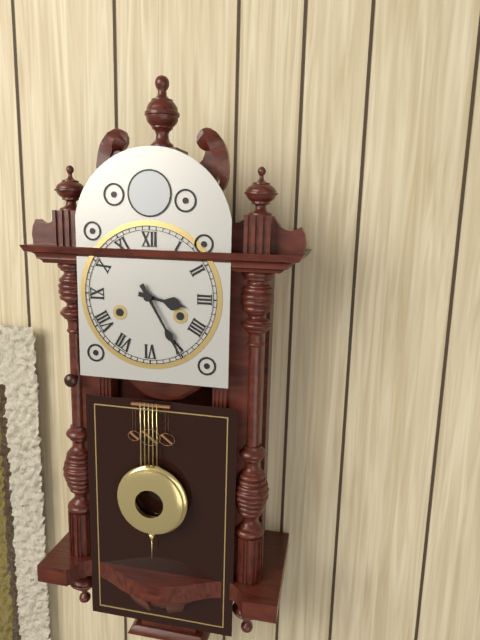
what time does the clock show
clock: 3:25
